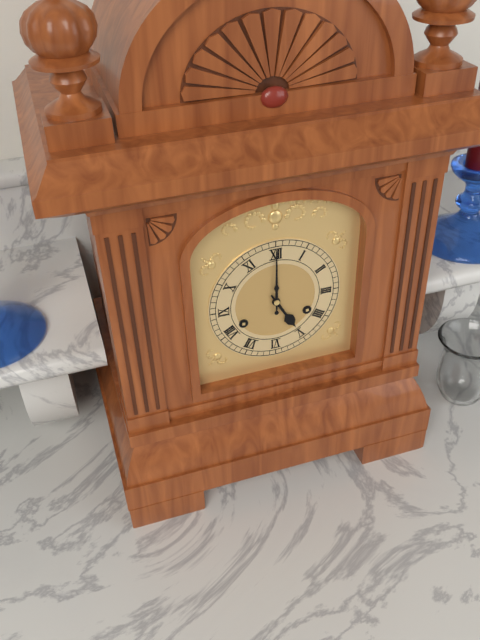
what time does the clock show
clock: 5:00
